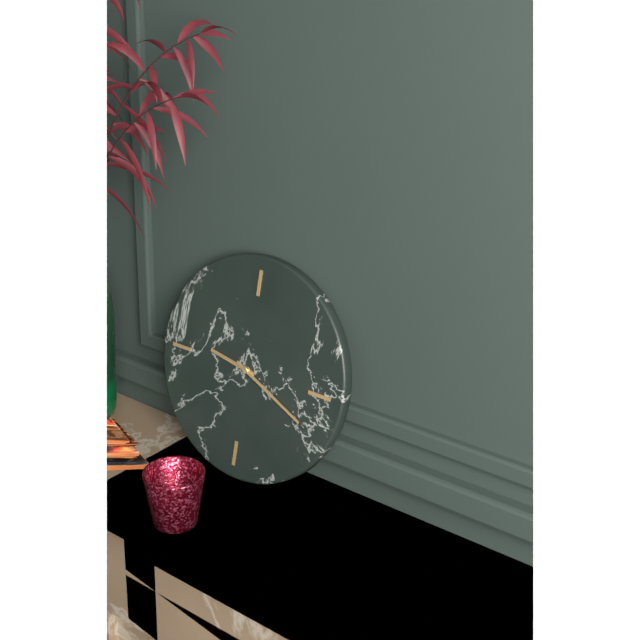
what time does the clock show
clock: 9:19
